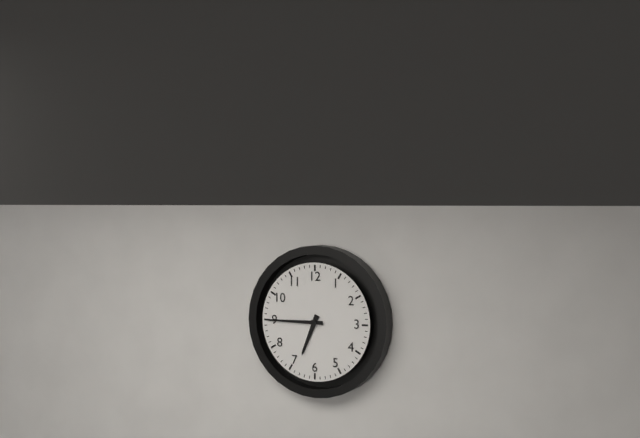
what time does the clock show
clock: 6:45
